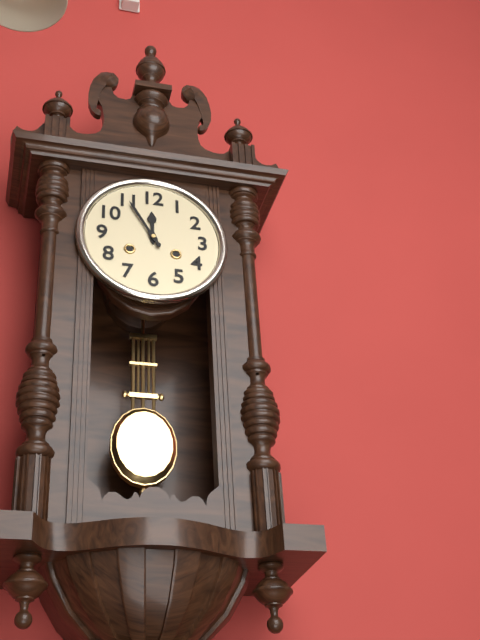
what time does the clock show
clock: 11:55
